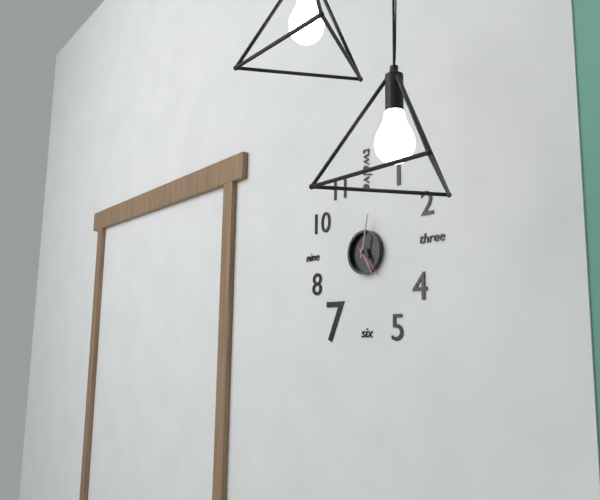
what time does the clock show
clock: 5:02
